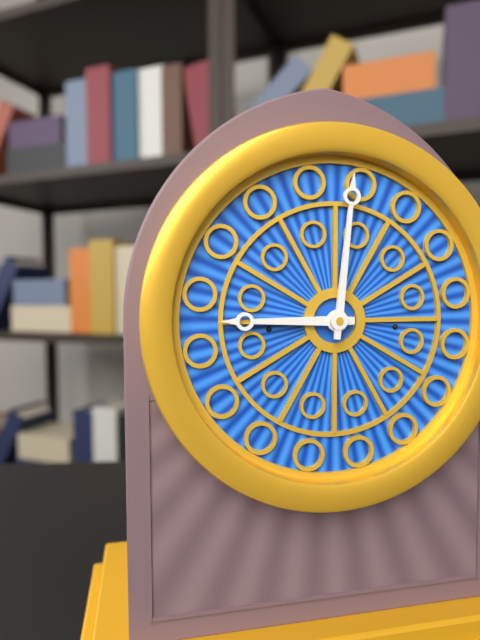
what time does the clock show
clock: 9:01
